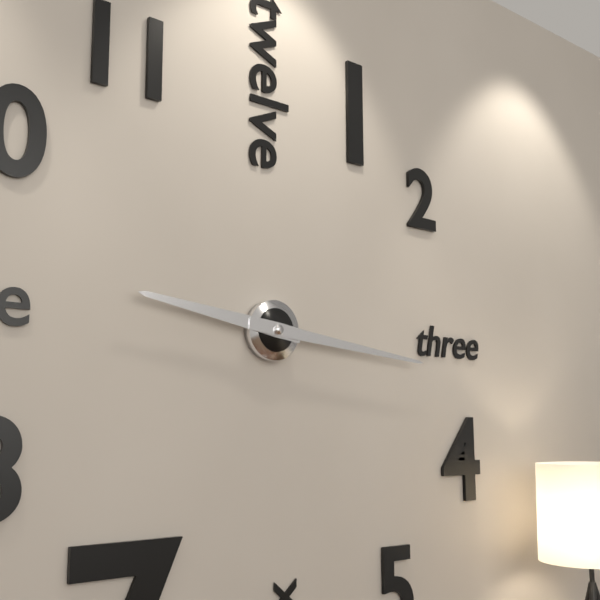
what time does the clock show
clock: 9:16
